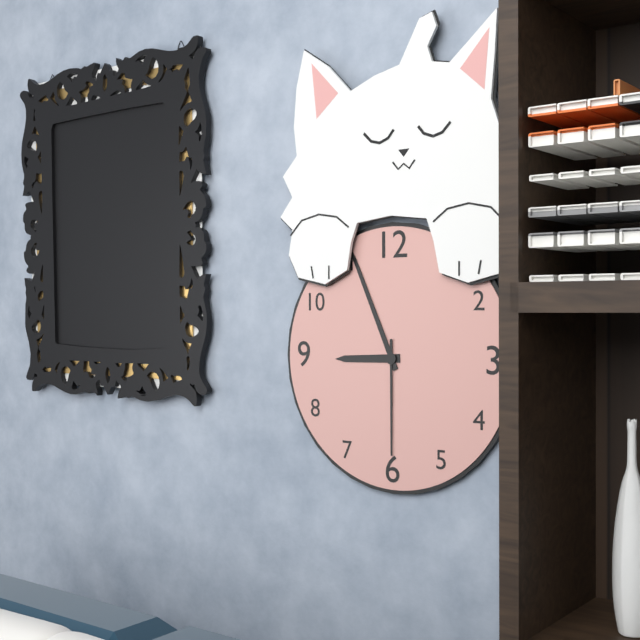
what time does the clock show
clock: 8:56:30
